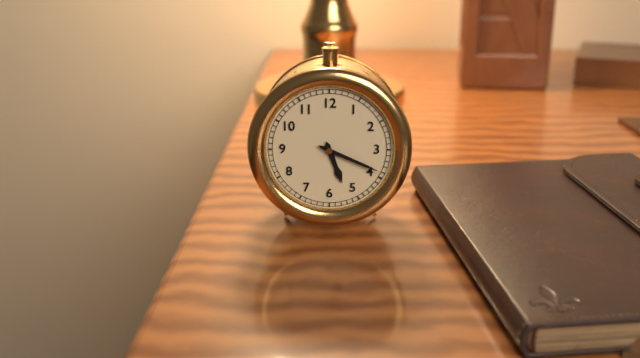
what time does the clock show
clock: 5:19
